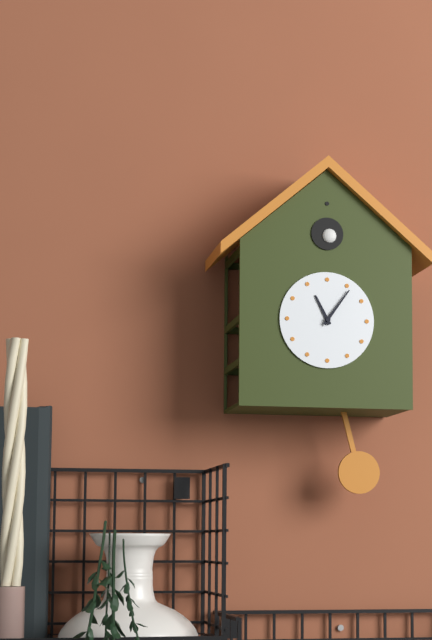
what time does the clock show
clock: 11:06
